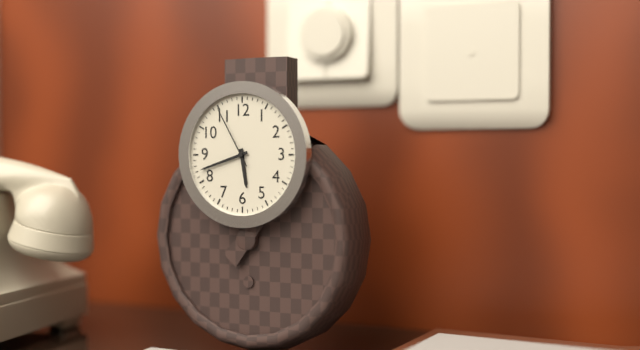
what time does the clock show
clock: 5:42:55
